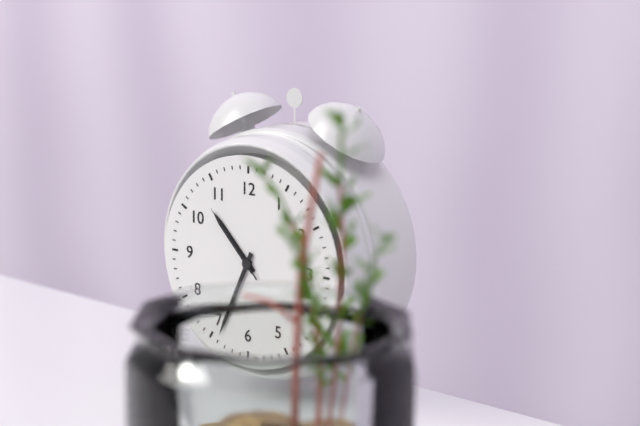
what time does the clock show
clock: 10:34:53
